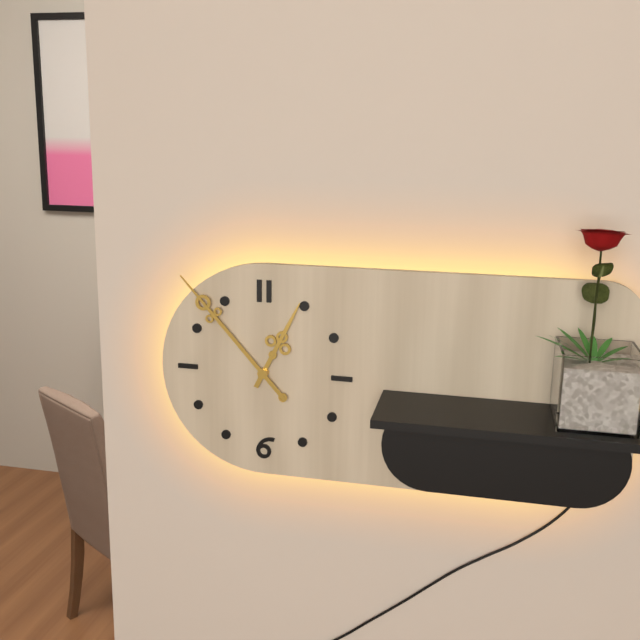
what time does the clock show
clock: 12:53
